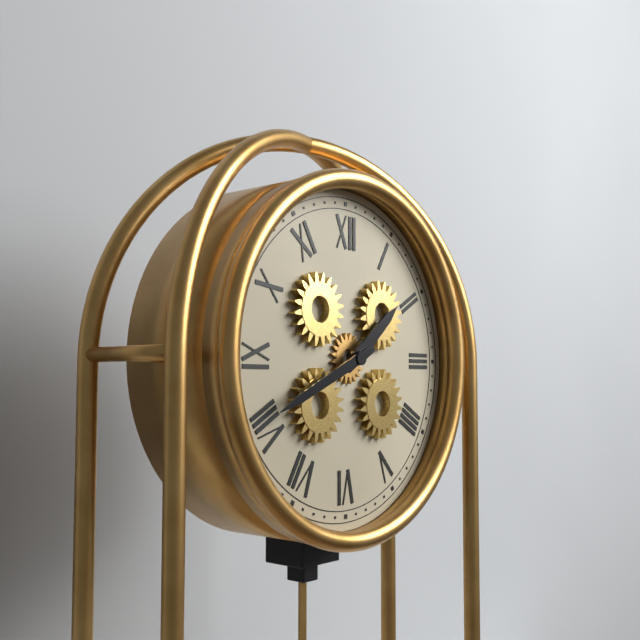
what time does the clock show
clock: 1:41
